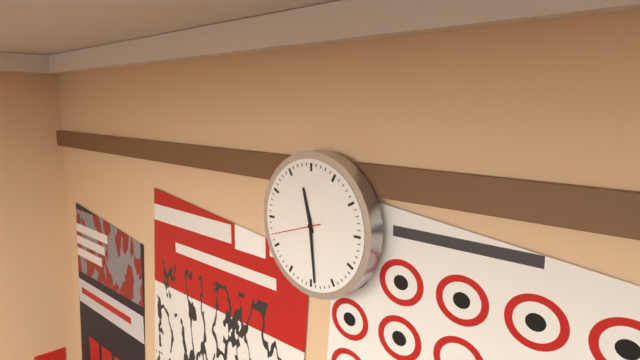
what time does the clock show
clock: 11:29
